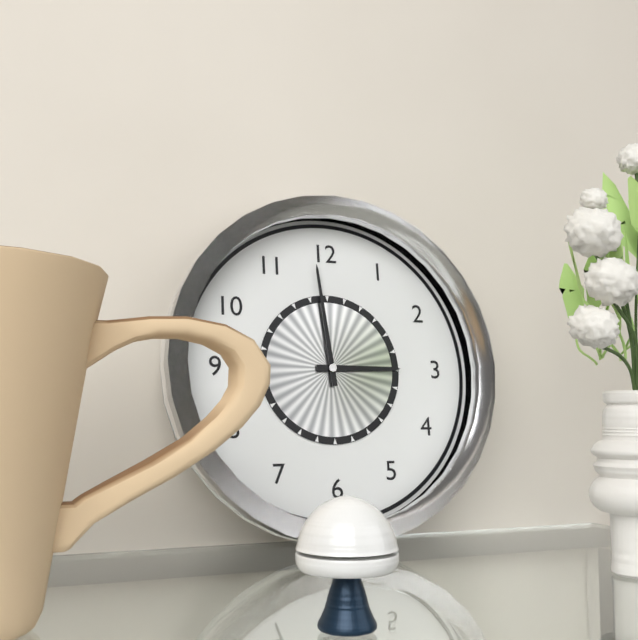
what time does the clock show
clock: 2:59
